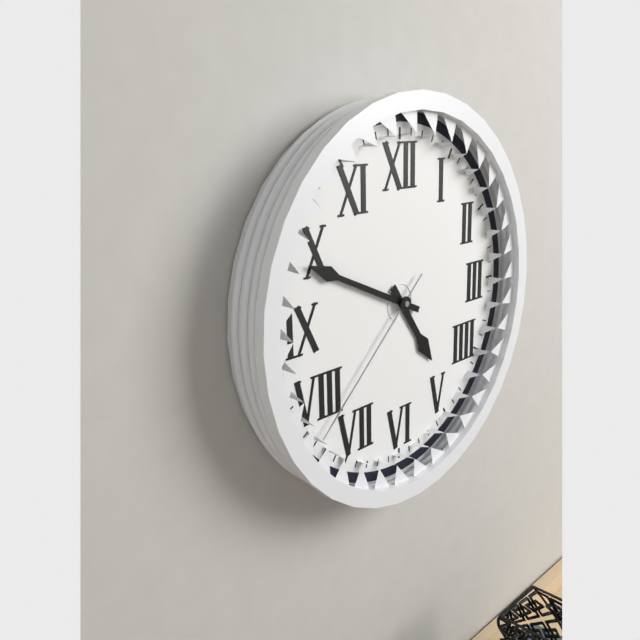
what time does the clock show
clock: 4:49:38
